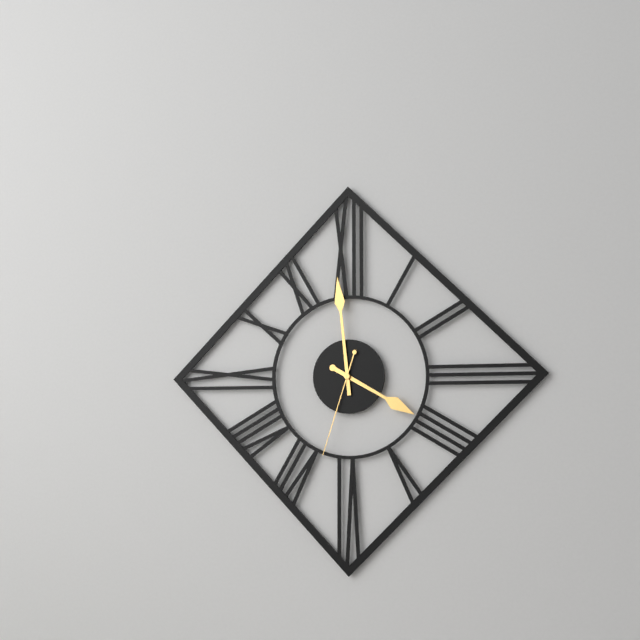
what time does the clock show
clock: 3:59:33
